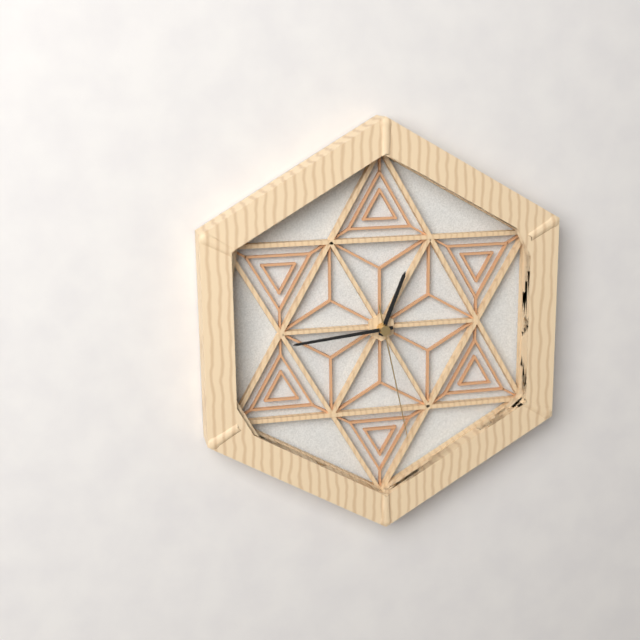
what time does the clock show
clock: 12:44:28
